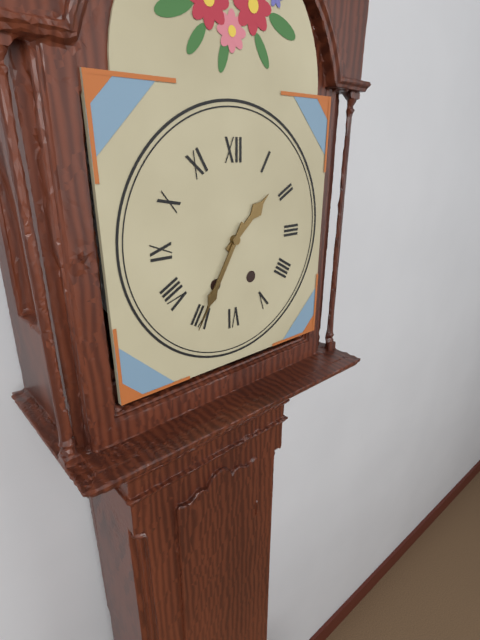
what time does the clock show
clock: 1:35
